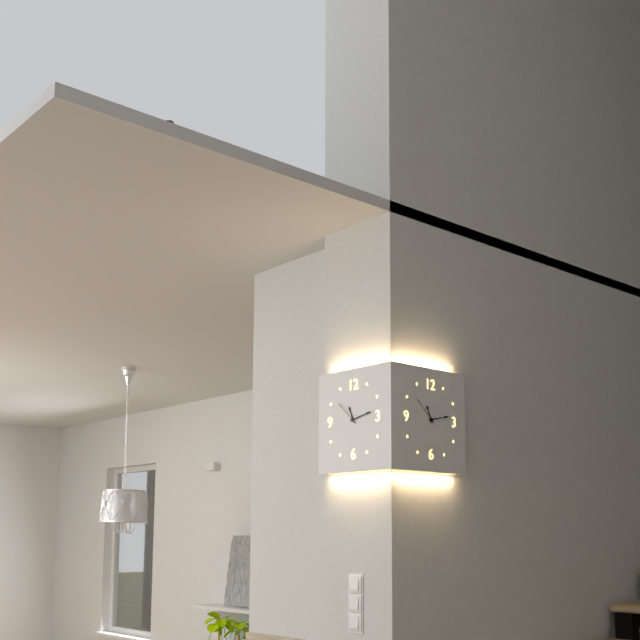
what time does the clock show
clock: 11:13
